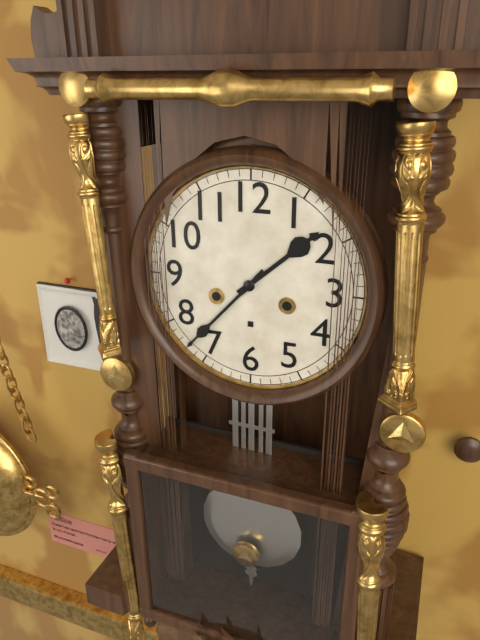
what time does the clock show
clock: 1:37
